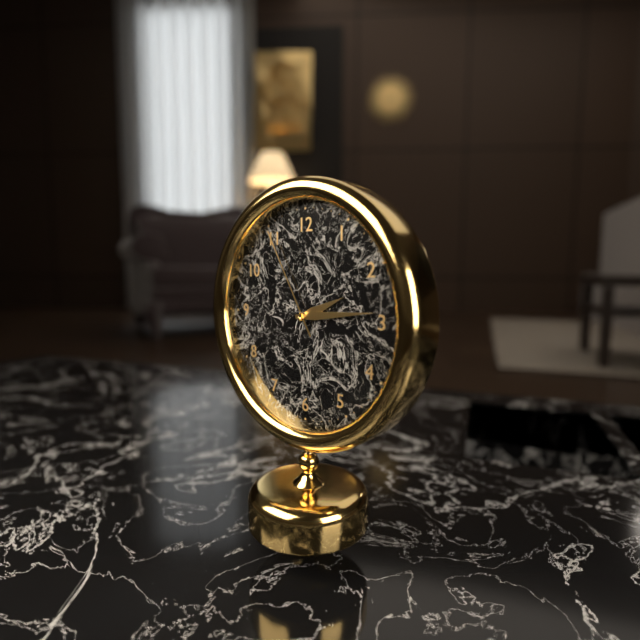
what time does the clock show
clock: 2:14:55
